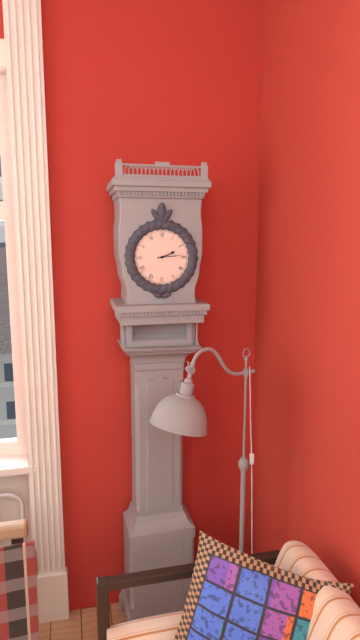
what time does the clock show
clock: 2:14
